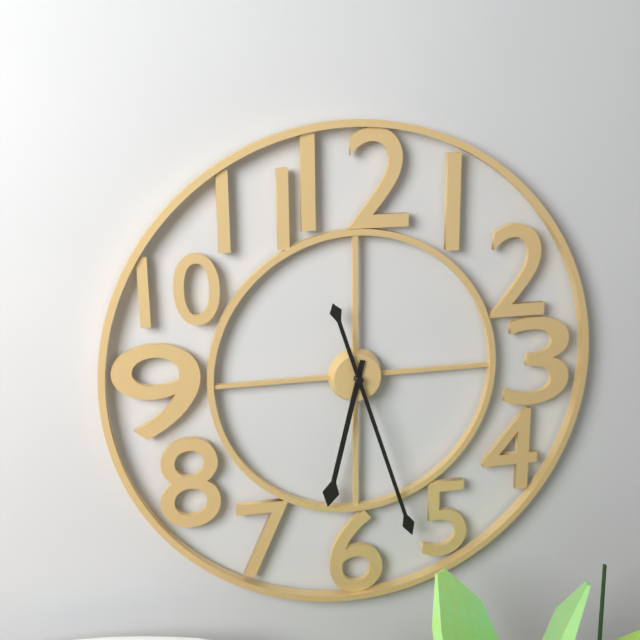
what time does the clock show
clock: 6:27
